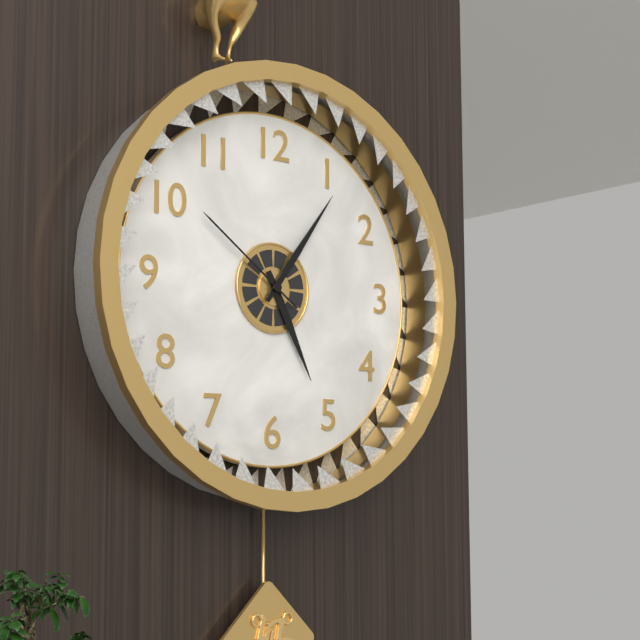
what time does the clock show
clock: 5:06:51
